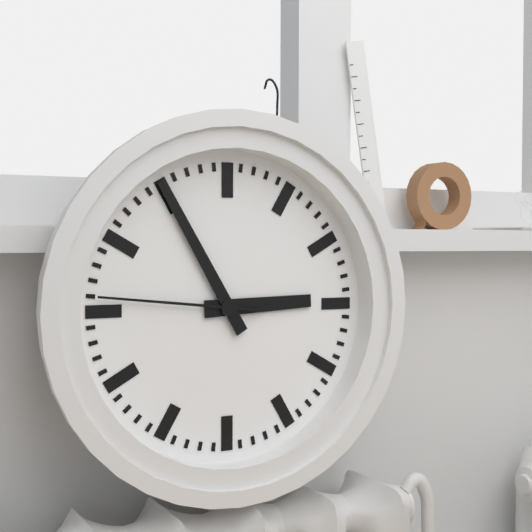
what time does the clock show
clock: 2:55:46
